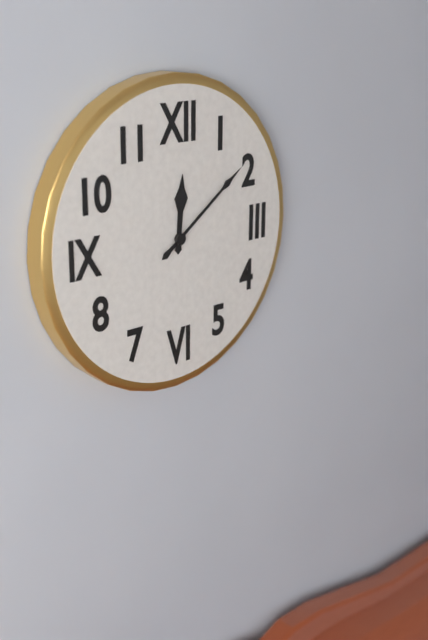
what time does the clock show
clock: 12:09
